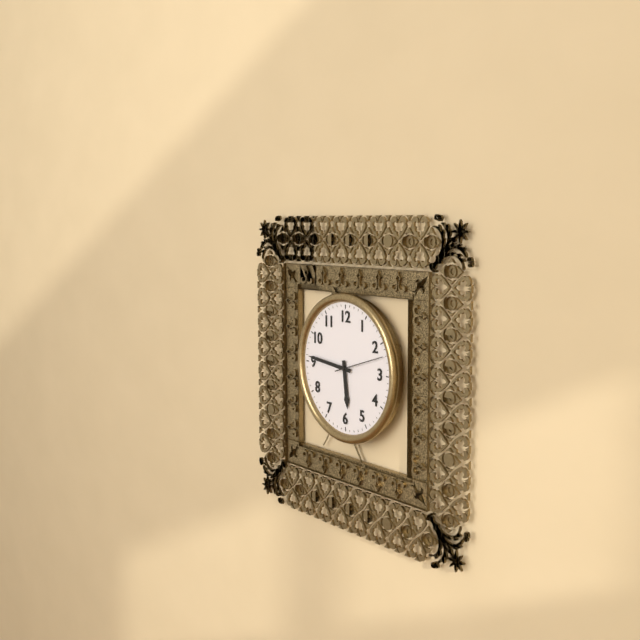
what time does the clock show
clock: 5:46:12
